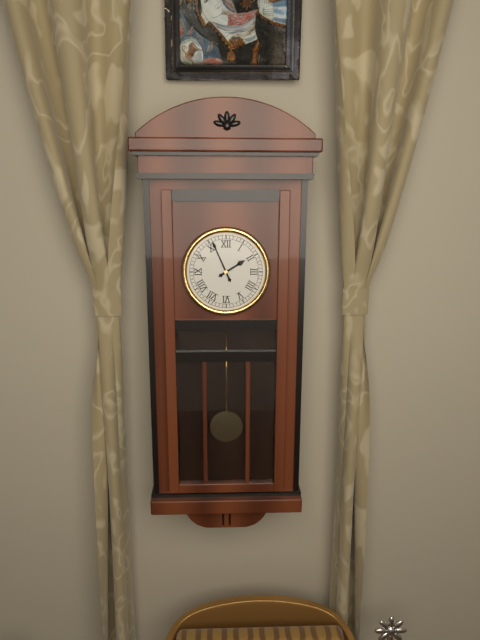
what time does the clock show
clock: 1:56
